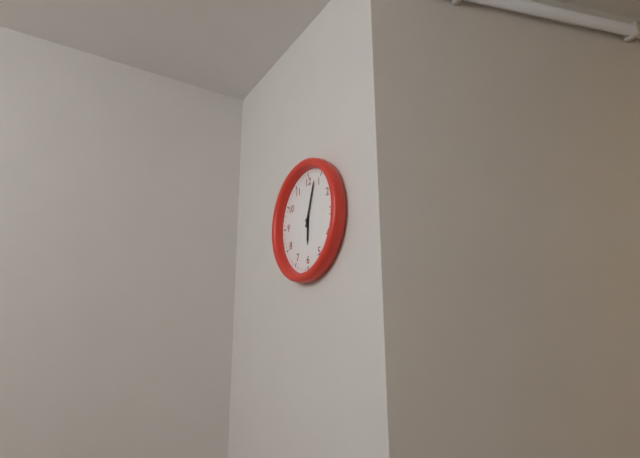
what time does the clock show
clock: 6:03
